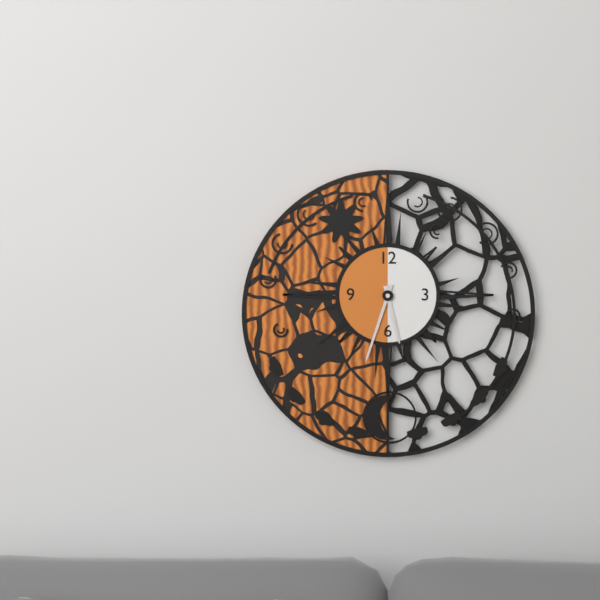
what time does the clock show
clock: 5:33
